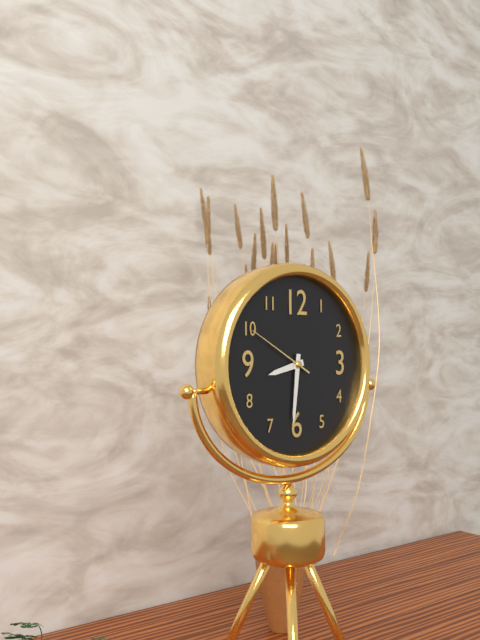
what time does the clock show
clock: 8:31:50
